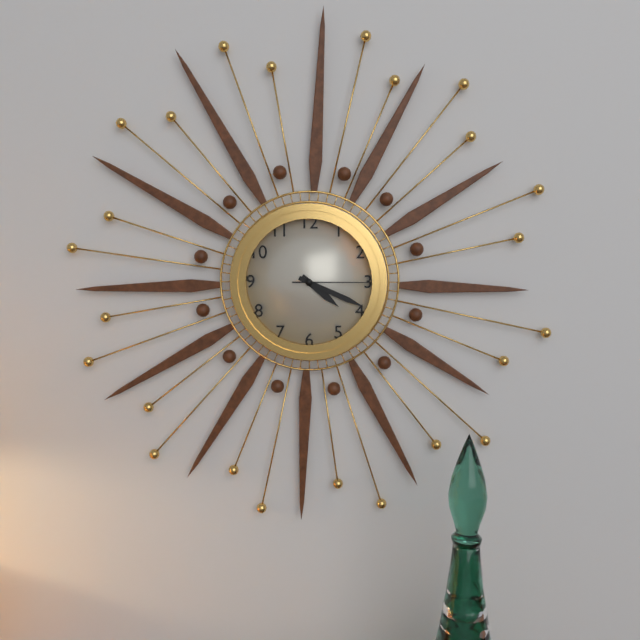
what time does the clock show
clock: 4:19:15
